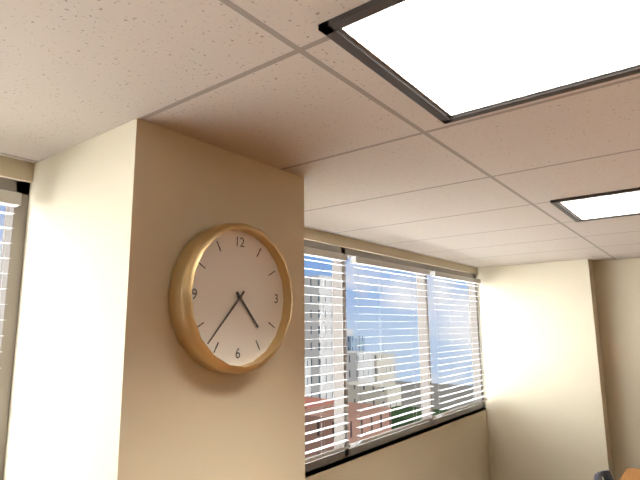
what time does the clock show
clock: 4:37
